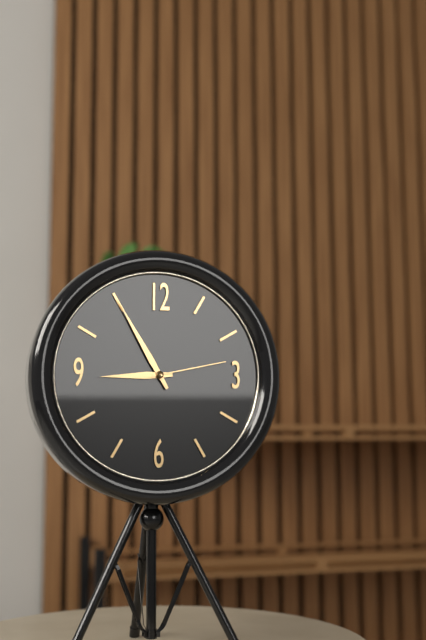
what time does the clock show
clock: 8:55:13
